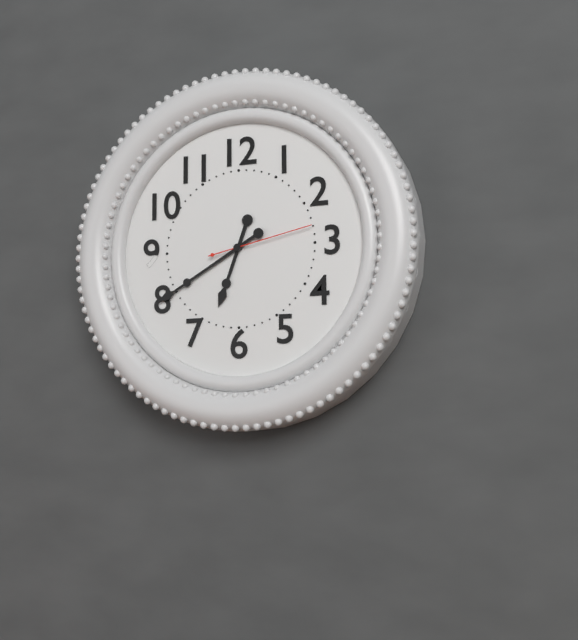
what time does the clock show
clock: 6:40:13
